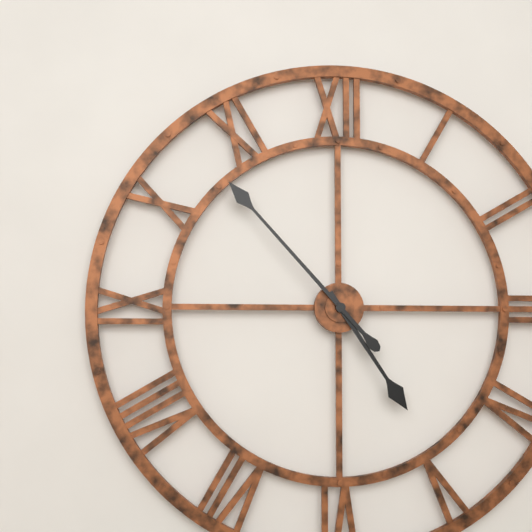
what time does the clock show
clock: 4:53
